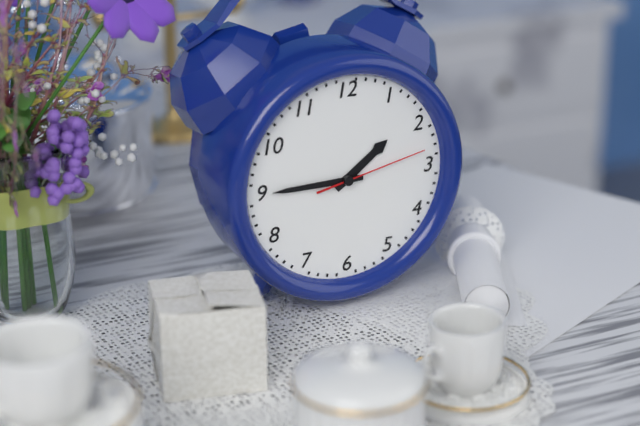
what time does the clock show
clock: 1:45:13
